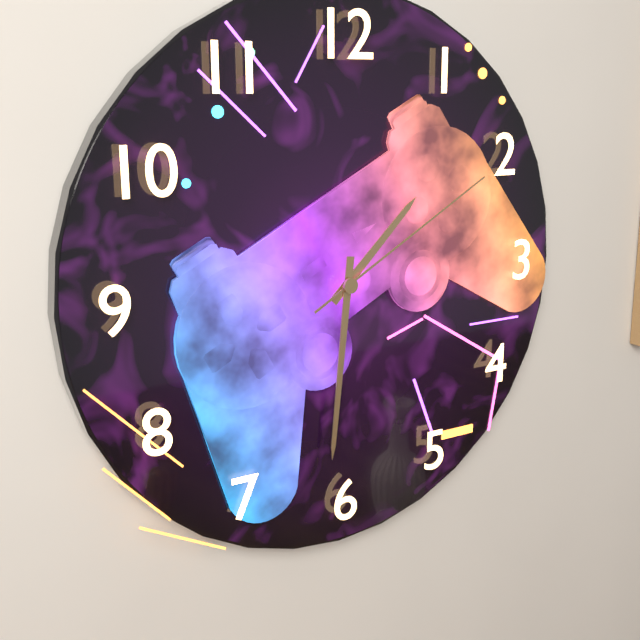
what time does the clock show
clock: 1:31:10
